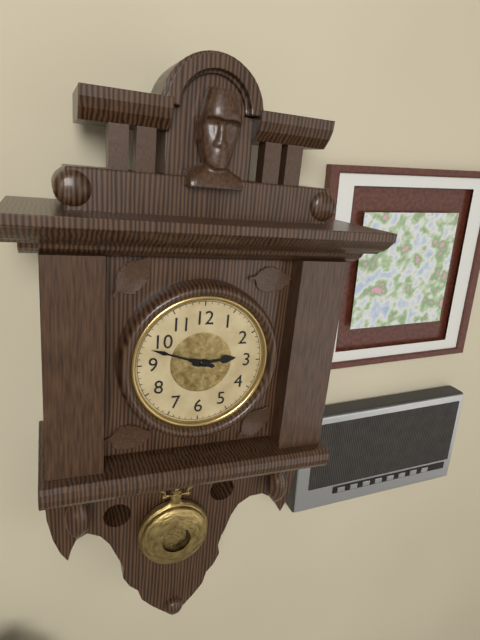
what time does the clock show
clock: 2:48
